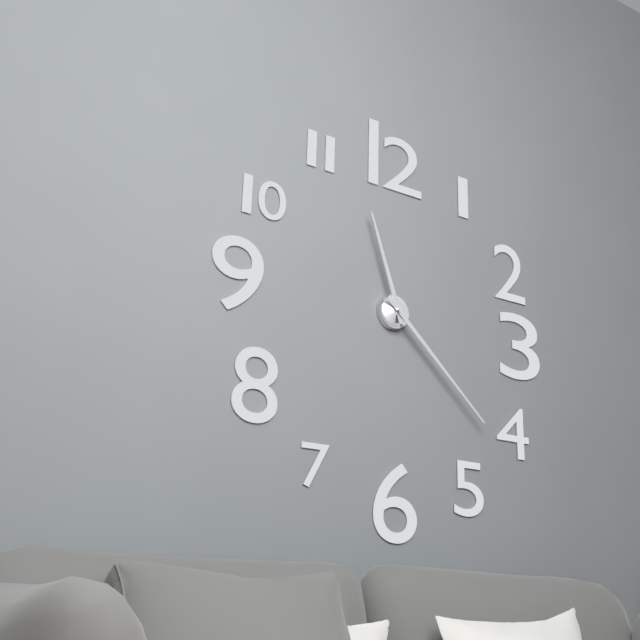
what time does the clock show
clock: 11:22
